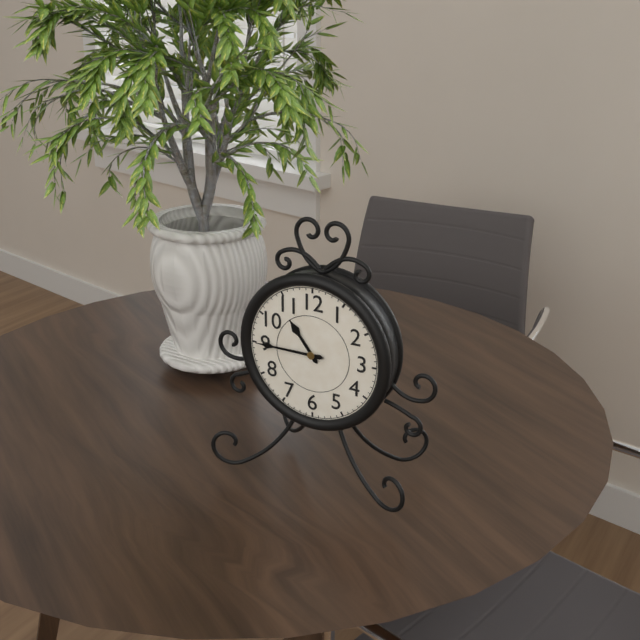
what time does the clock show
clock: 10:45
